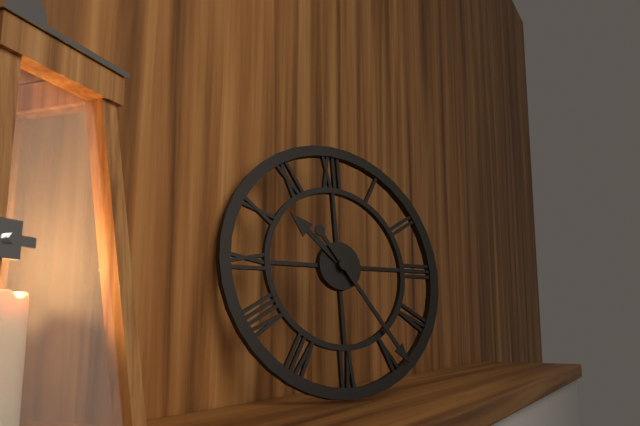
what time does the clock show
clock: 10:24
